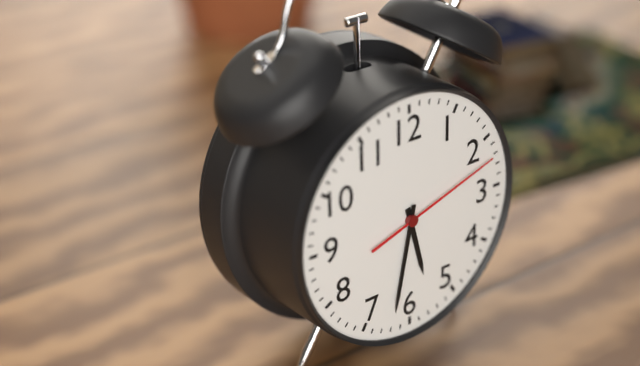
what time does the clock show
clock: 5:32:12
